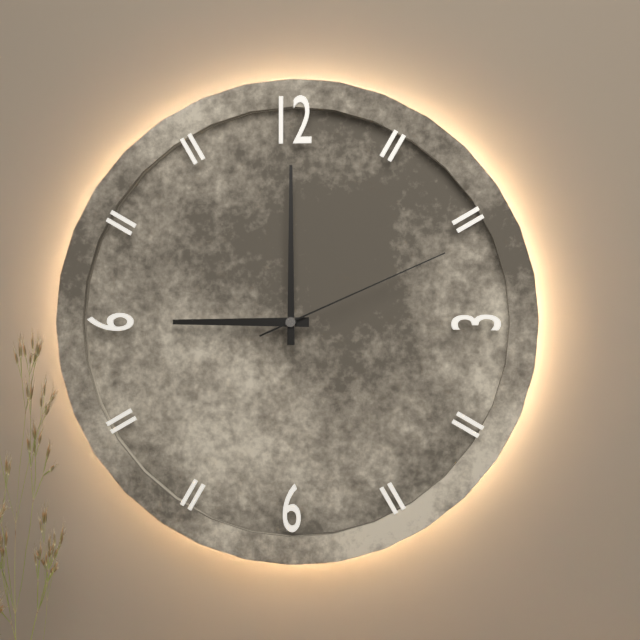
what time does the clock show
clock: 9:00:11
